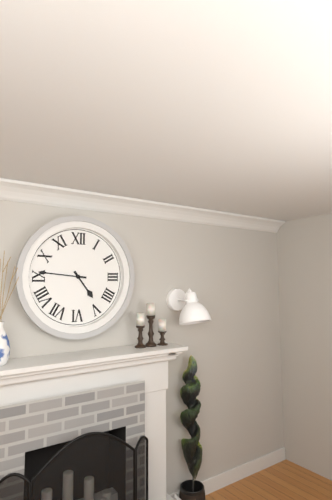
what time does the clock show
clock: 4:46
